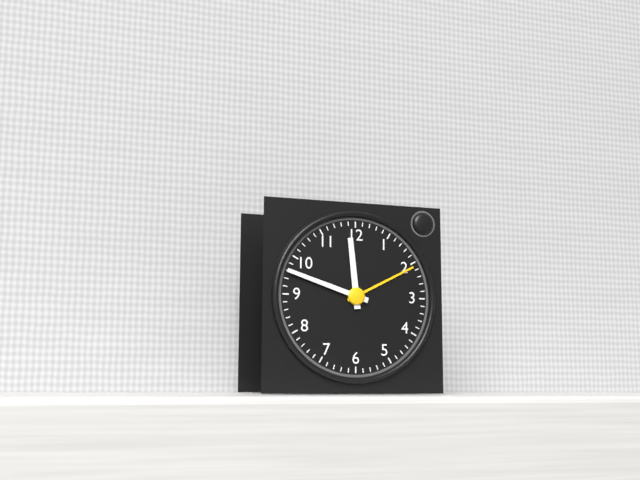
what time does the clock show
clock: 11:48
